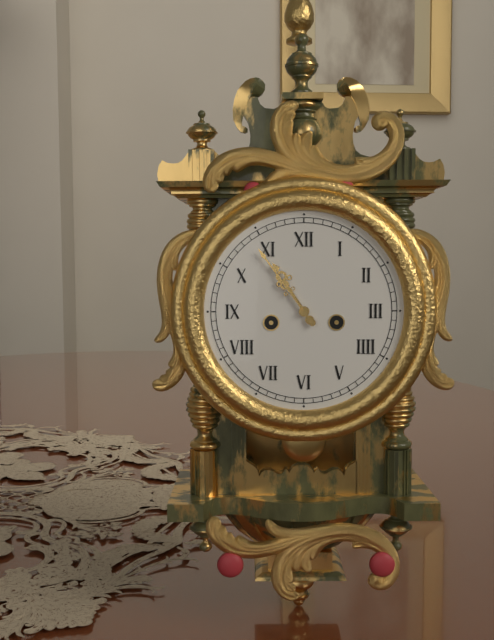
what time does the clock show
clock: 10:54
